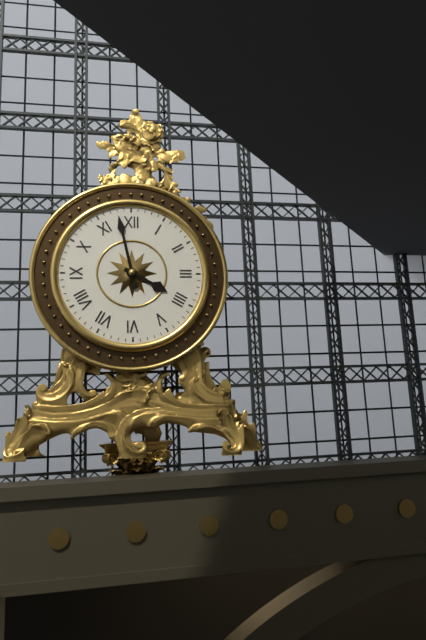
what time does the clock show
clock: 3:58
